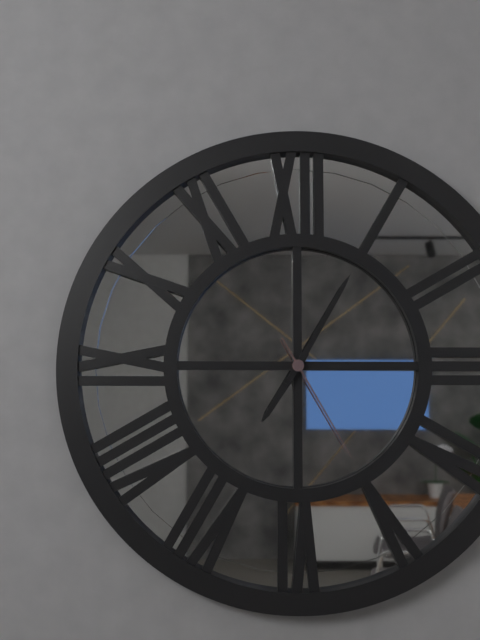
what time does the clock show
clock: 7:05:25
